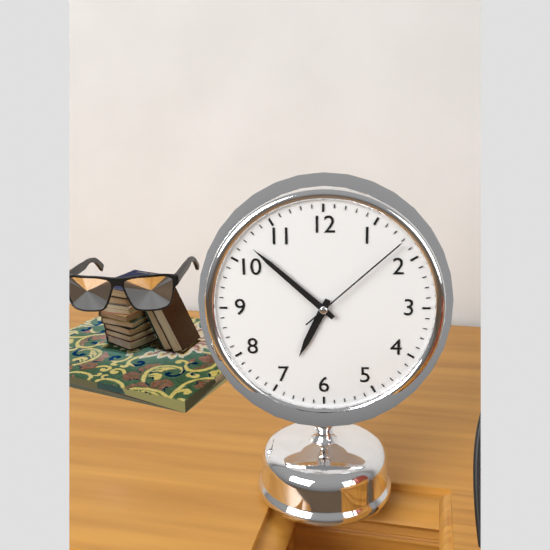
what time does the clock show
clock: 6:52:08
